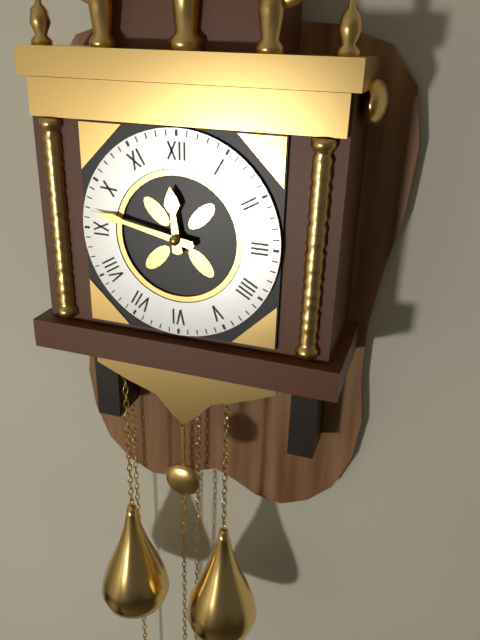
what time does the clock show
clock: 11:47
